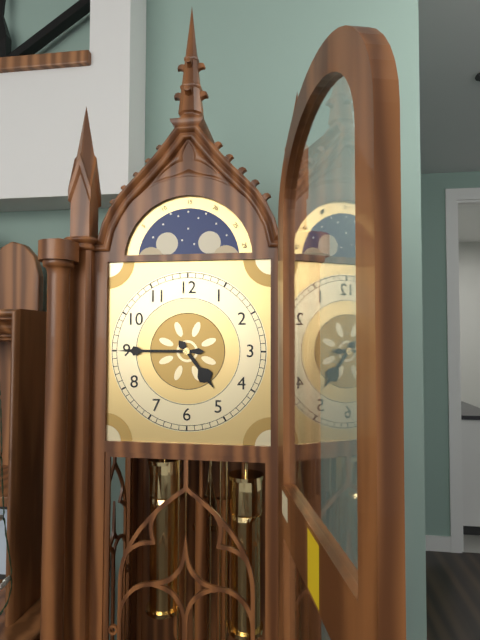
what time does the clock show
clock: 4:45
